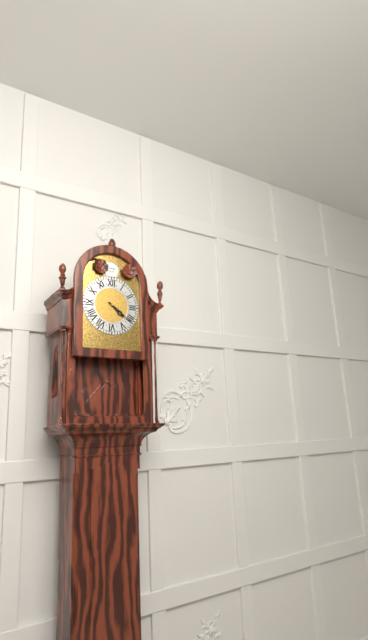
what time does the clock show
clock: 4:21
